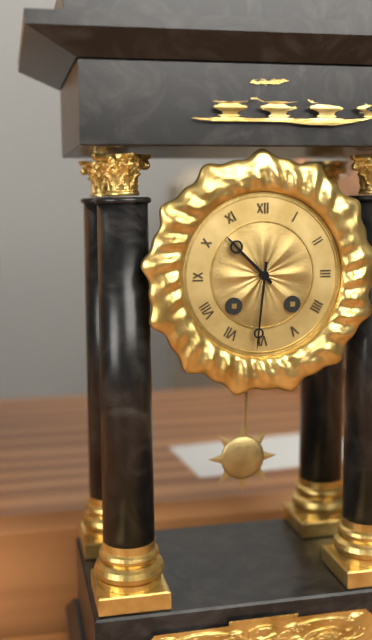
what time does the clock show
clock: 10:31
